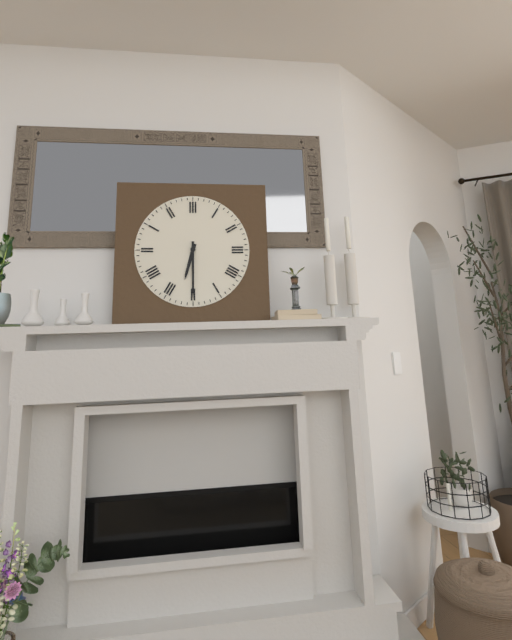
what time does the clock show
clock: 6:30
